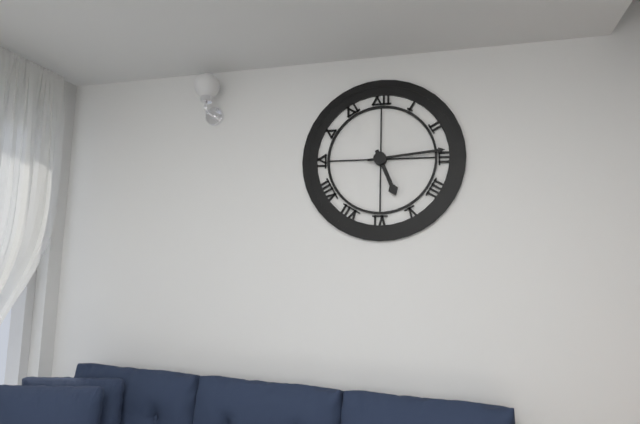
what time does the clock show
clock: 5:14
